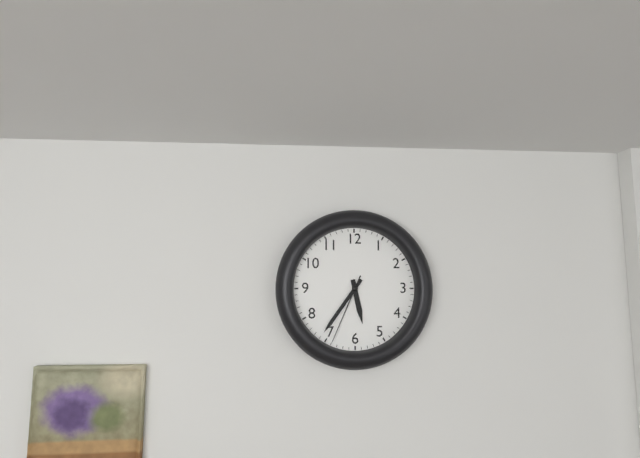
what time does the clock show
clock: 5:36:34
